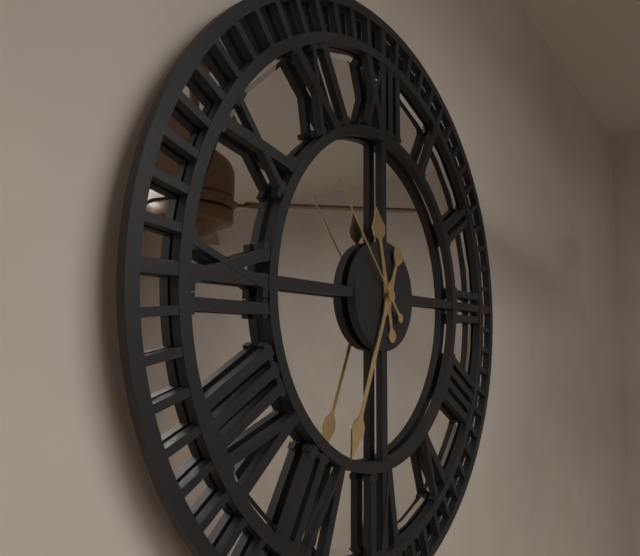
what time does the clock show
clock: 11:34:53
